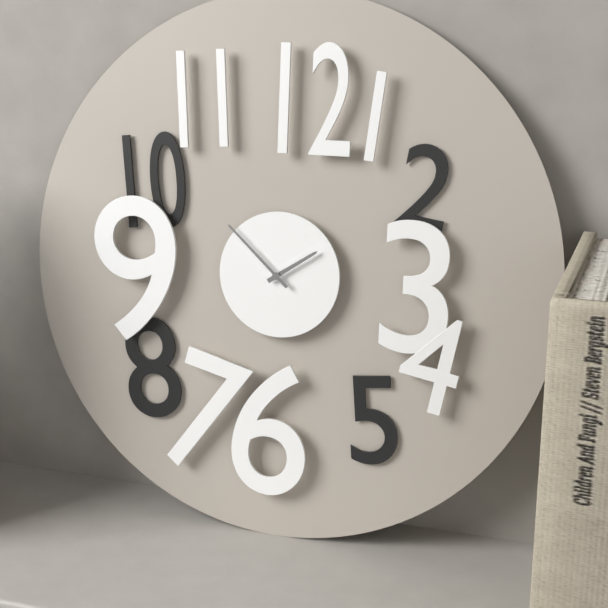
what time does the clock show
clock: 1:52
